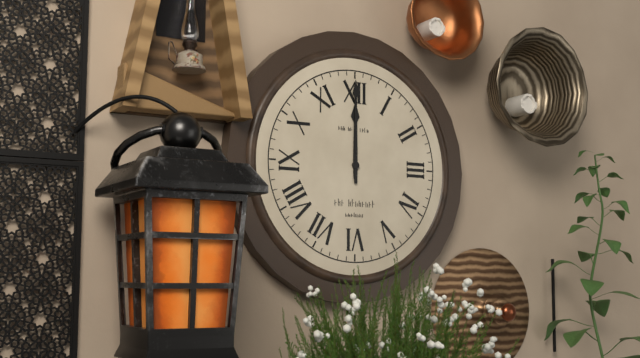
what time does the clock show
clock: 12:00
